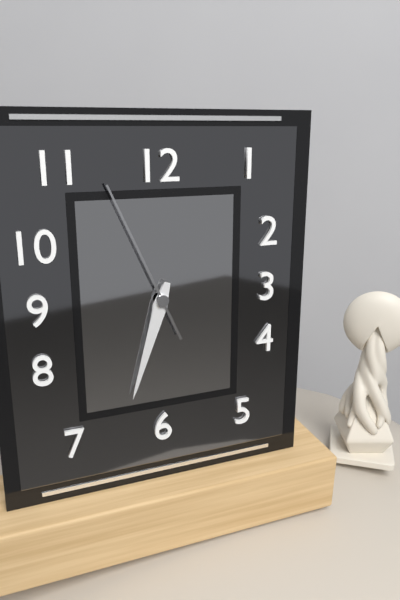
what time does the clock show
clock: 6:33:56
